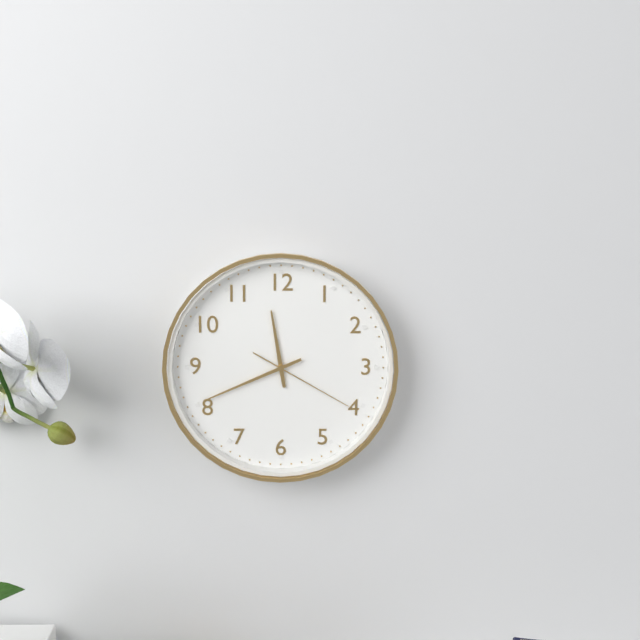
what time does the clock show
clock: 11:41:20
